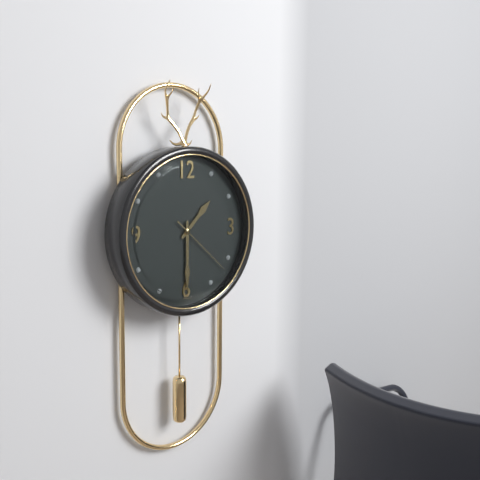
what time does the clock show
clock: 1:30:22
